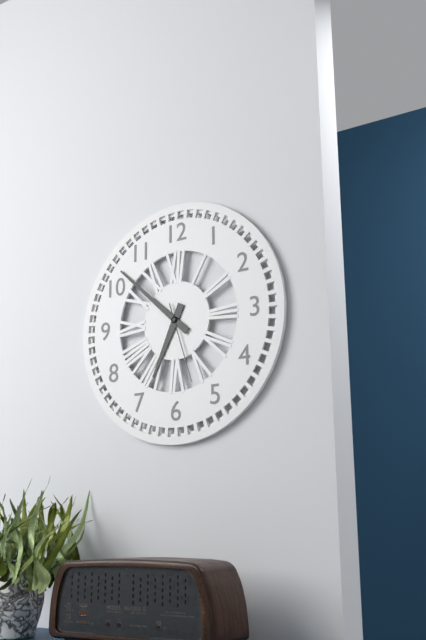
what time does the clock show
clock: 6:52:27
